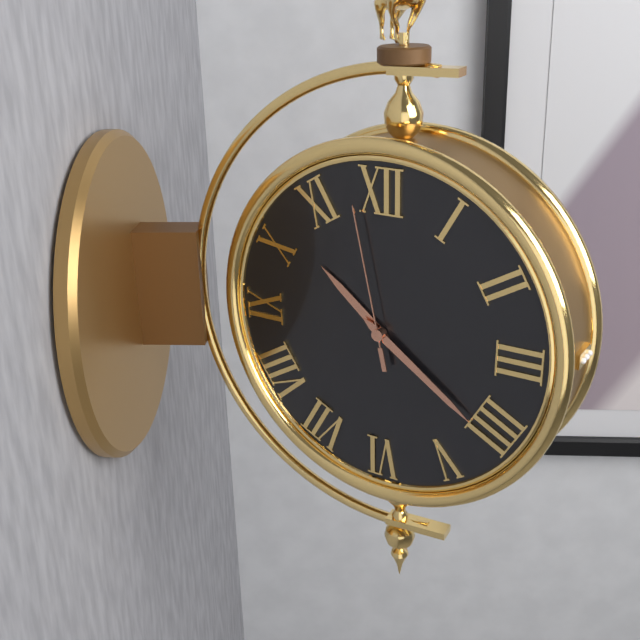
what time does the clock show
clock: 10:21:58
